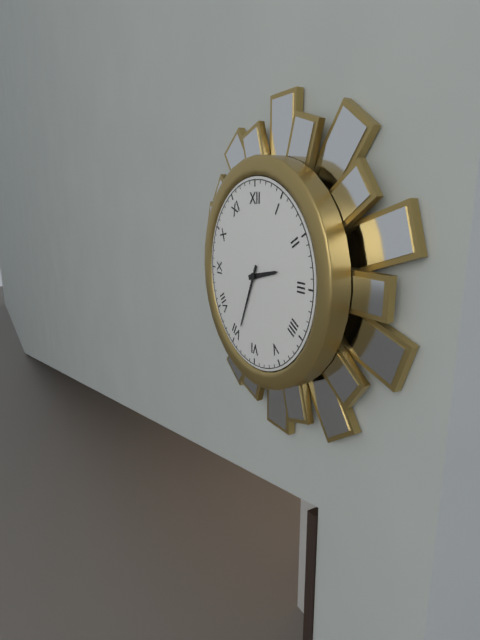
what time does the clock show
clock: 2:34
